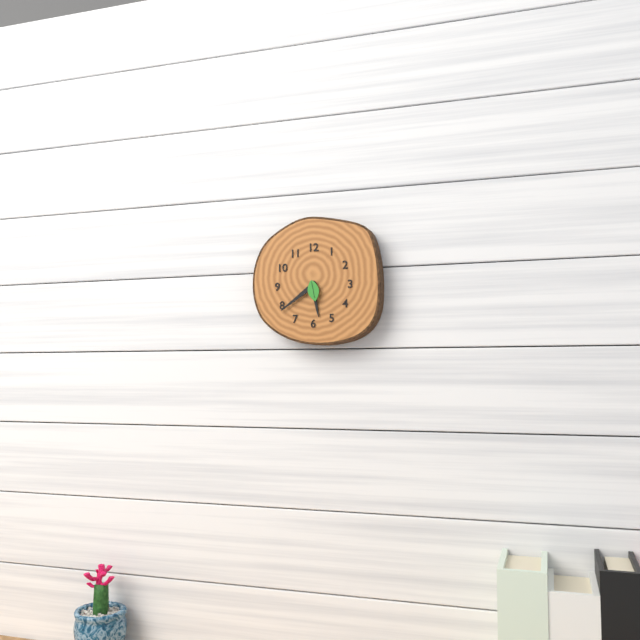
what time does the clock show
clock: 5:39
